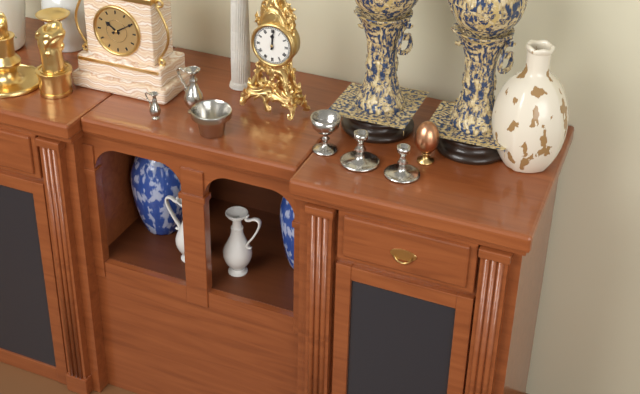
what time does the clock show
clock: 12:01
